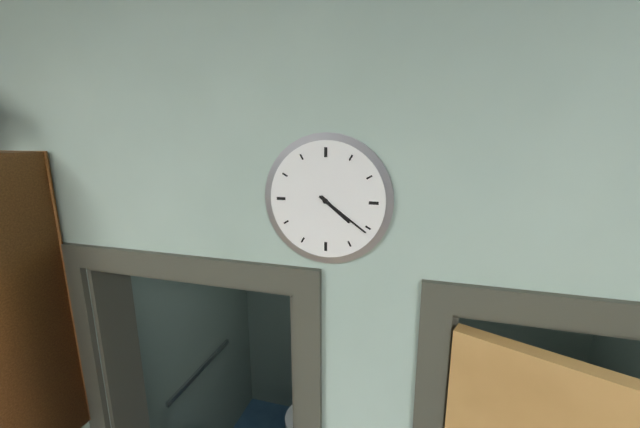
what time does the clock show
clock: 4:21
